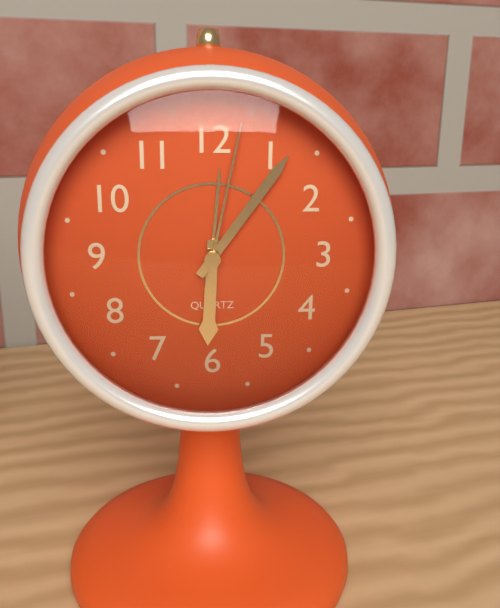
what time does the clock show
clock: 6:06:02
